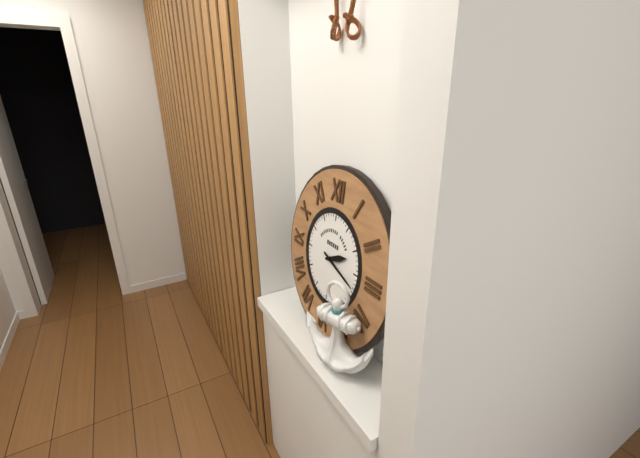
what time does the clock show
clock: 2:18
